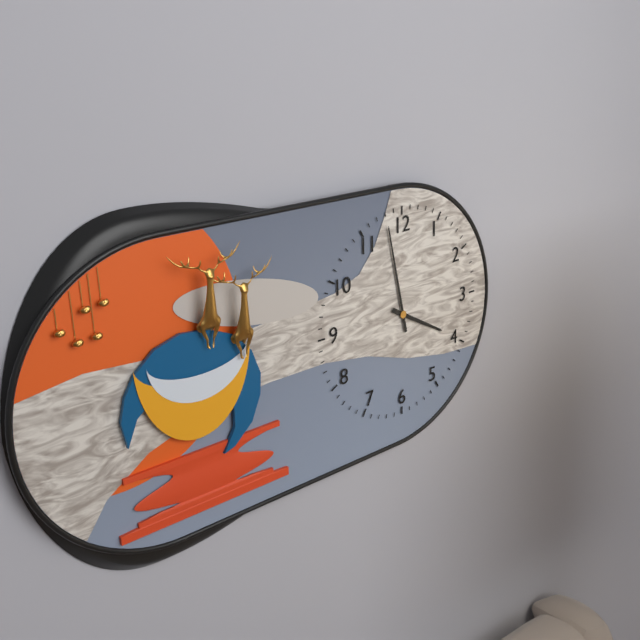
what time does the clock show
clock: 3:58
